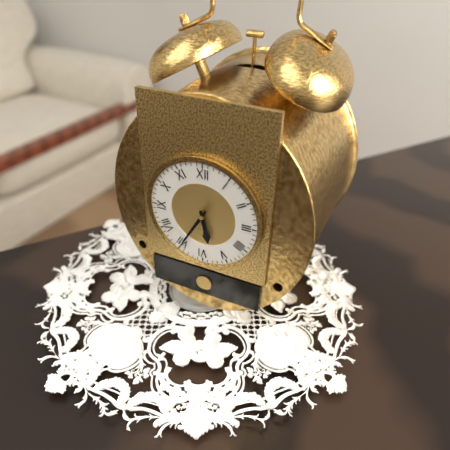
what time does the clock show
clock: 5:35
